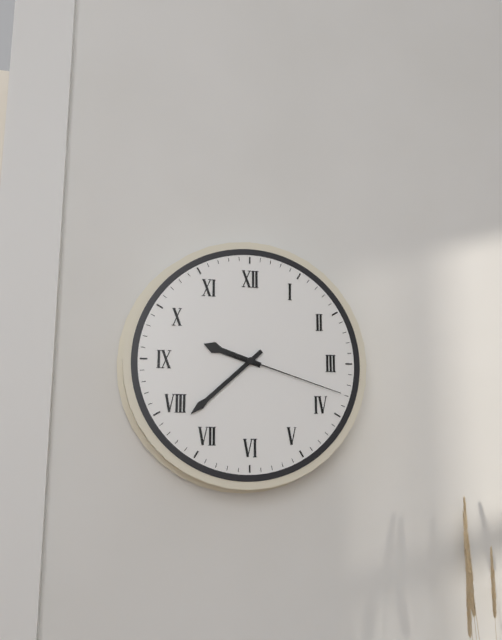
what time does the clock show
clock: 9:38:18
